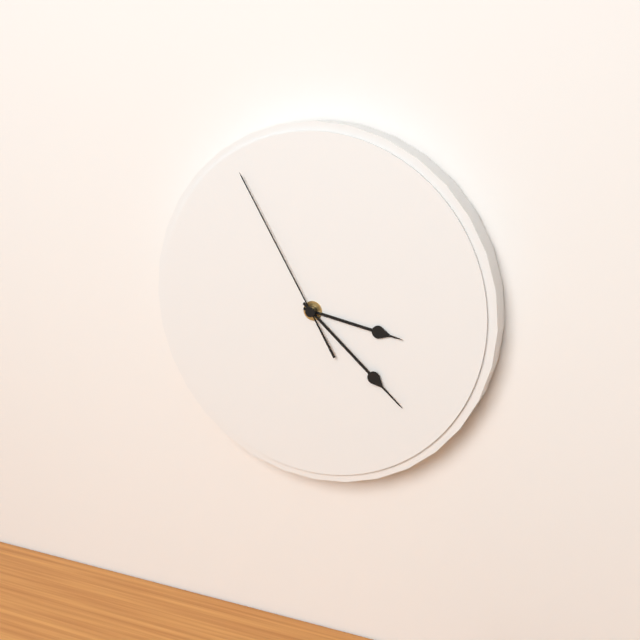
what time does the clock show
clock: 3:22:55
